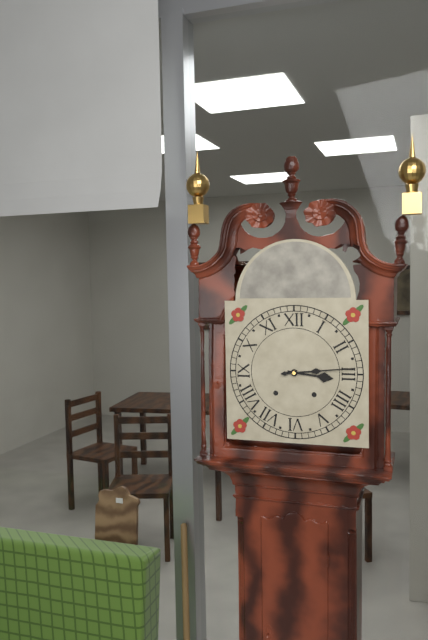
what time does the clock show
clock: 3:14
